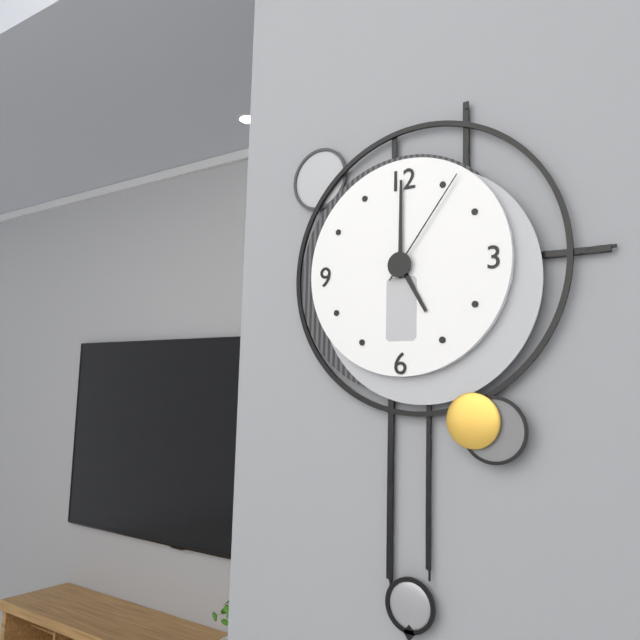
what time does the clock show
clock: 5:00:06
